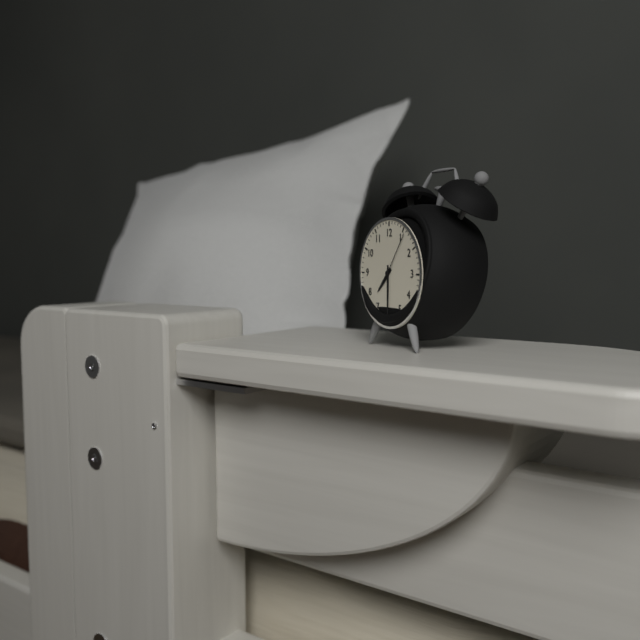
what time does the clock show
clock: 7:30:06
